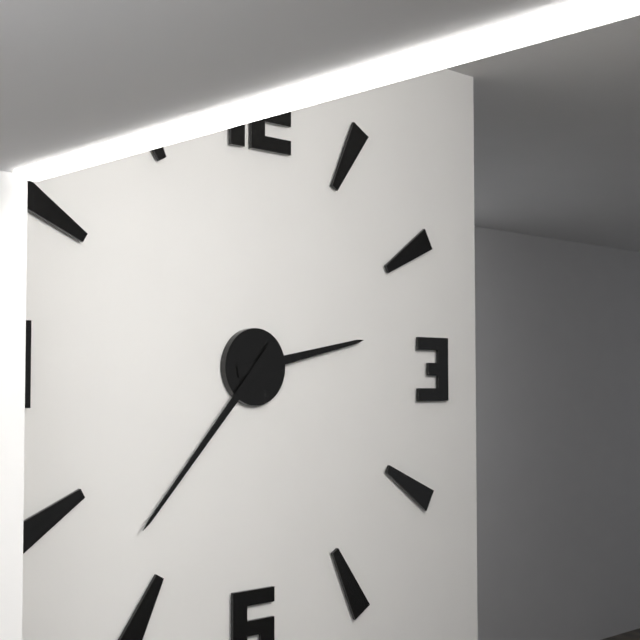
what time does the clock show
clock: 2:37
